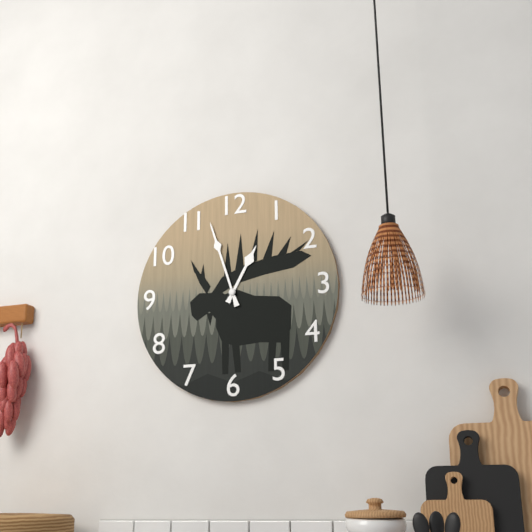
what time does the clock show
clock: 12:57
